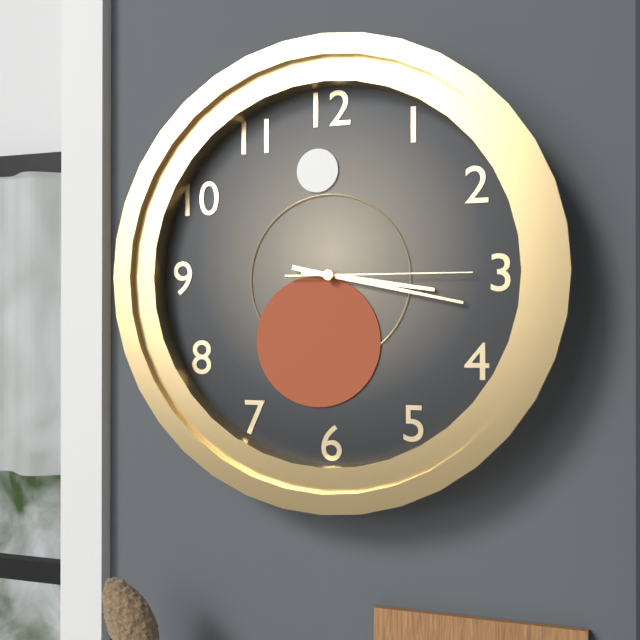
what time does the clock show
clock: 3:17:15
